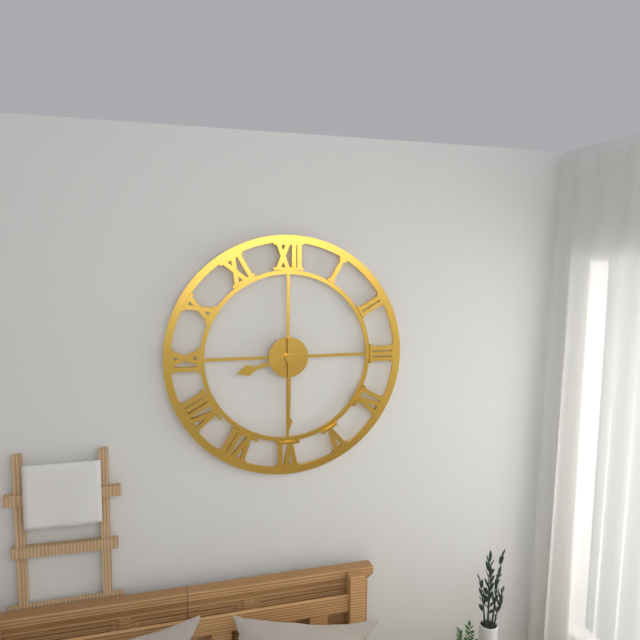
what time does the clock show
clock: 8:30
